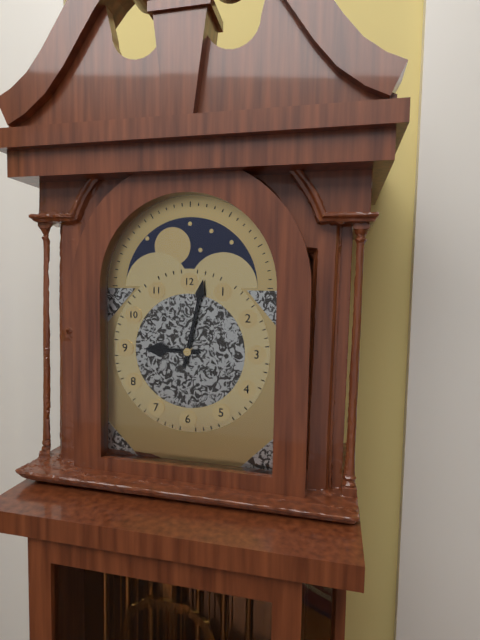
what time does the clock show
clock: 9:02
